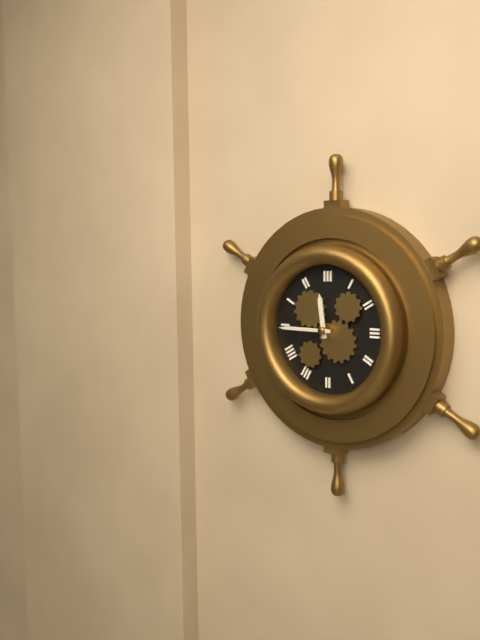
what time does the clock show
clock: 11:45
